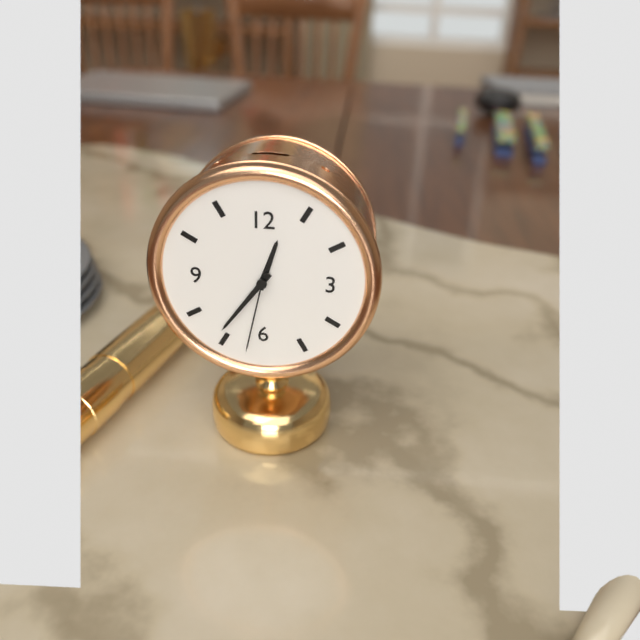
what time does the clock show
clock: 12:36:32
